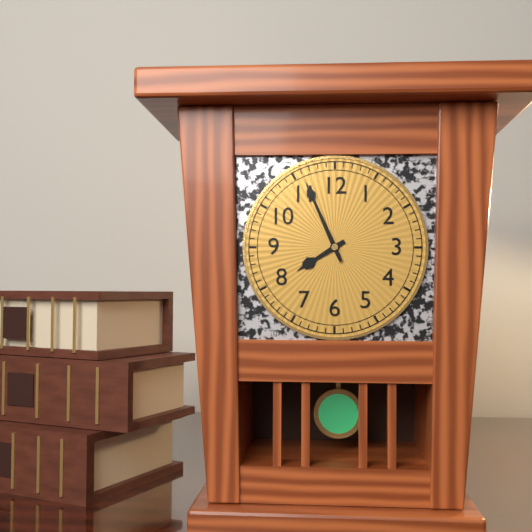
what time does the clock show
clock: 7:56
